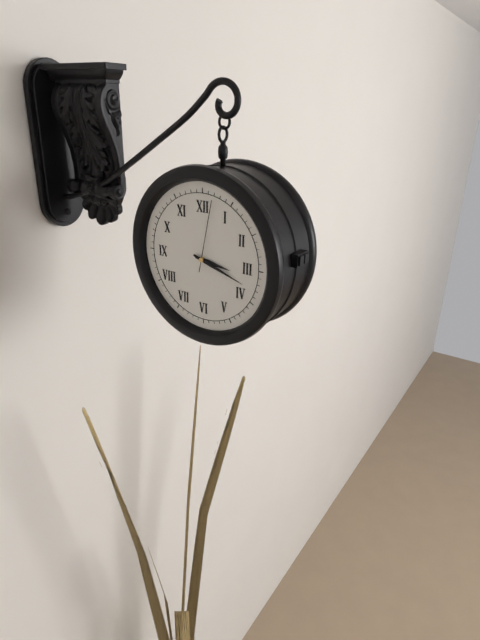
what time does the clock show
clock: 3:18:02
